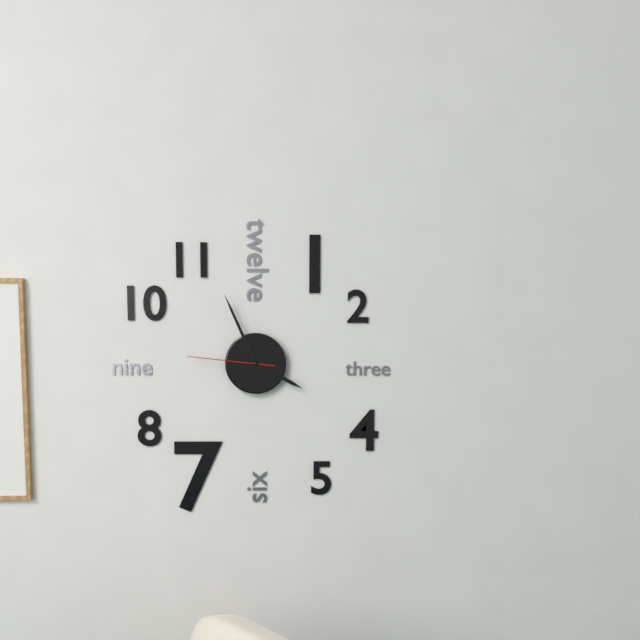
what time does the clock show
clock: 3:56:46
